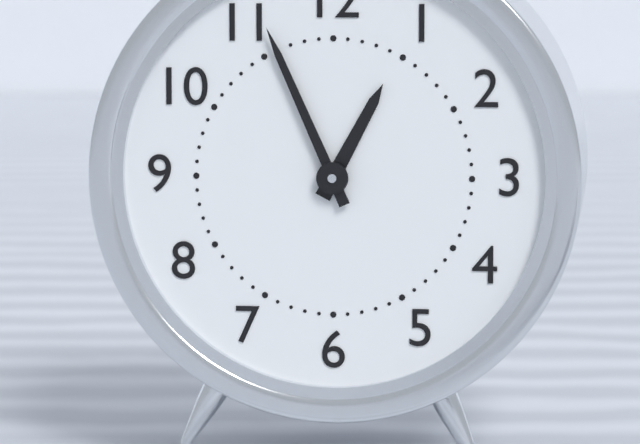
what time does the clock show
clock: 12:56
